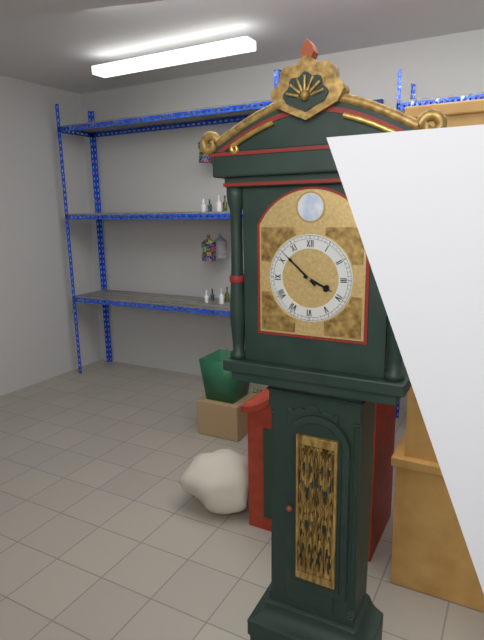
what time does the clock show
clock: 3:52
